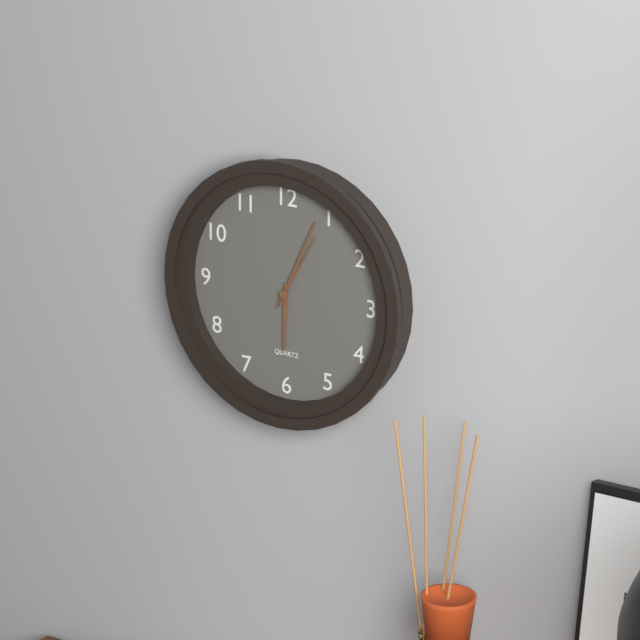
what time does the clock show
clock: 6:04:05
